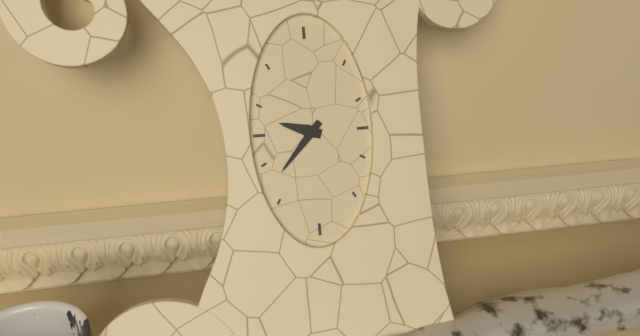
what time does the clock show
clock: 9:37
